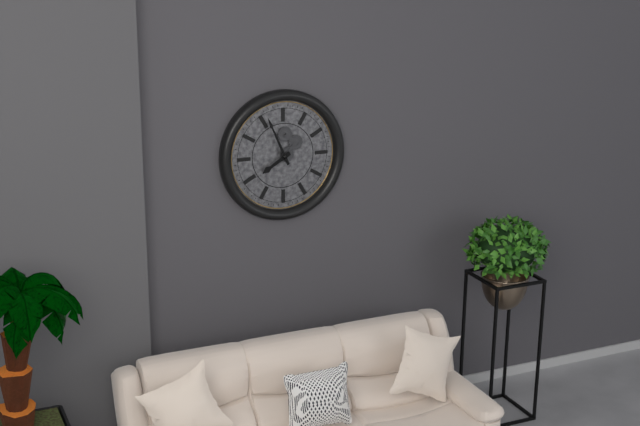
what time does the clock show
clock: 7:56
